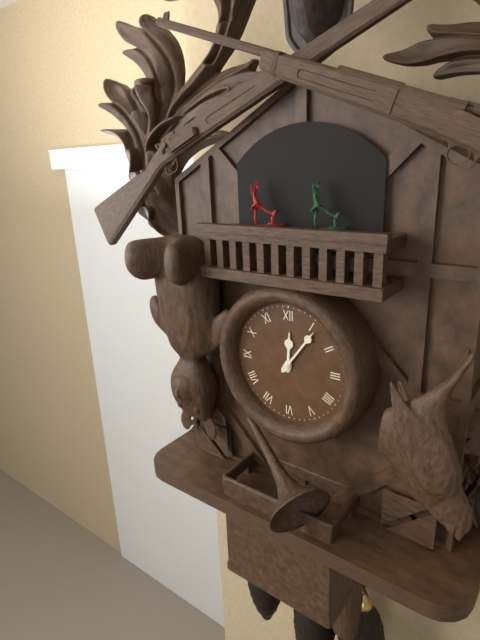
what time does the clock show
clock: 12:06
